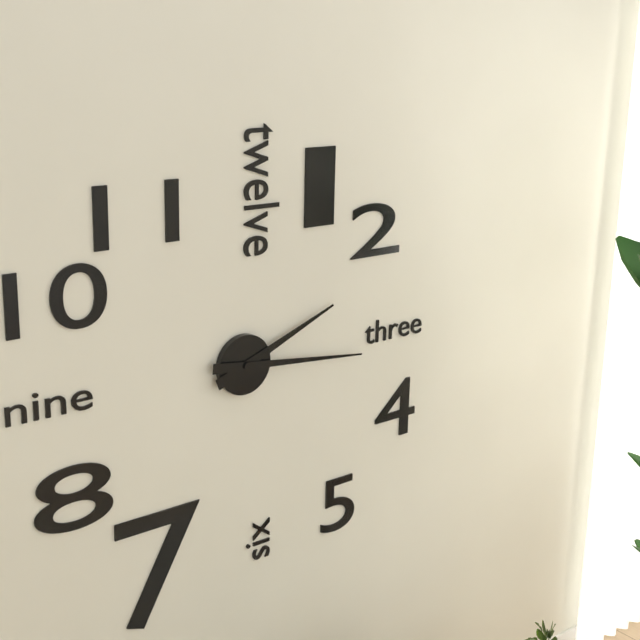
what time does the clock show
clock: 2:16
